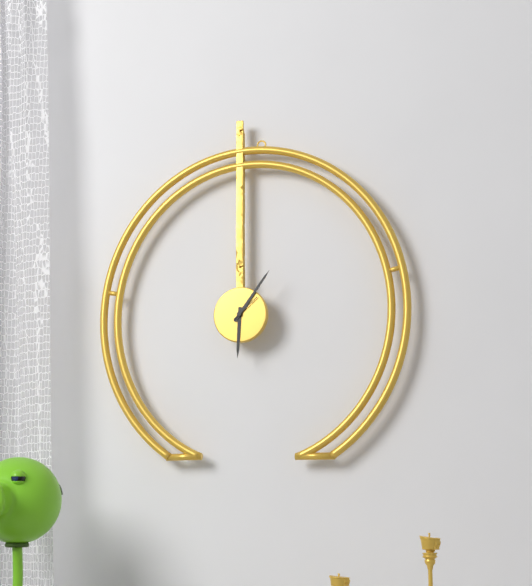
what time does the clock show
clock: 6:06
